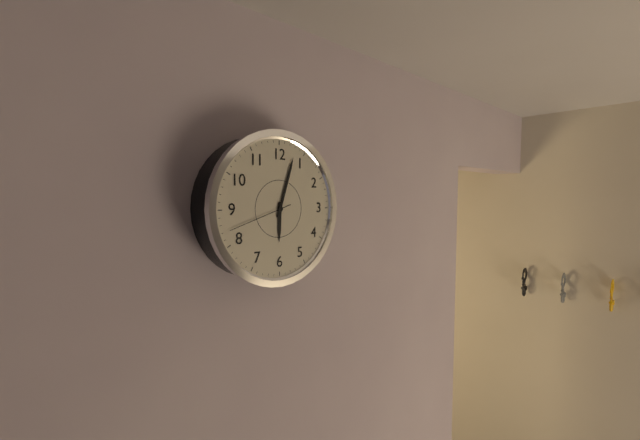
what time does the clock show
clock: 6:03:42
